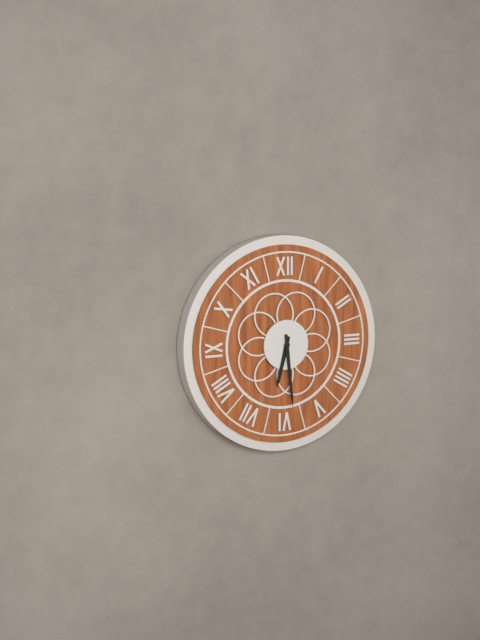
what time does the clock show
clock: 6:29
